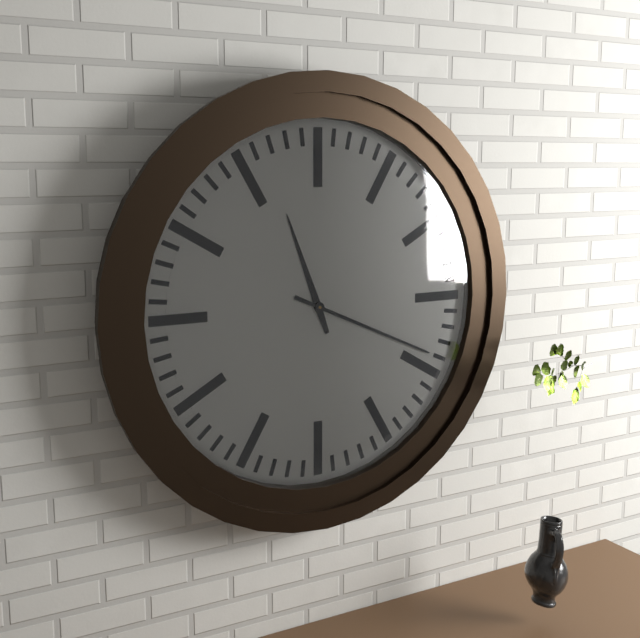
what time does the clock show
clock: 11:19
